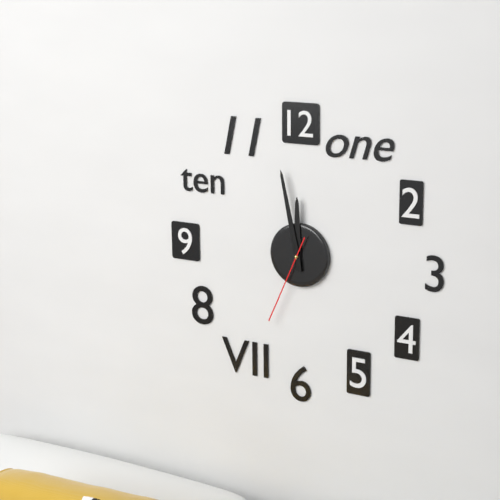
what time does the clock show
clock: 11:58:34
